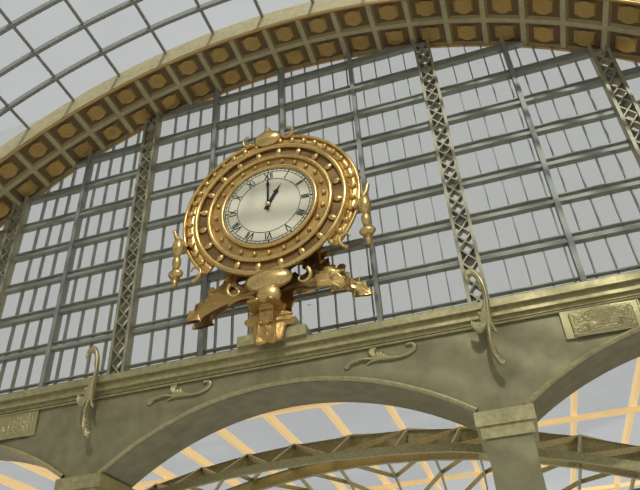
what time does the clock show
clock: 1:00
